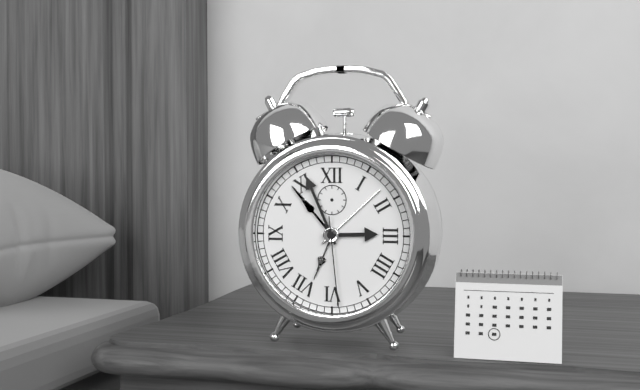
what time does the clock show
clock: 2:56:29
